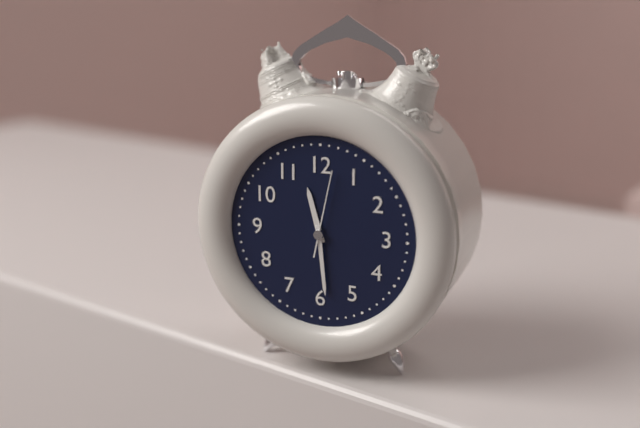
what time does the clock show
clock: 11:29:02
